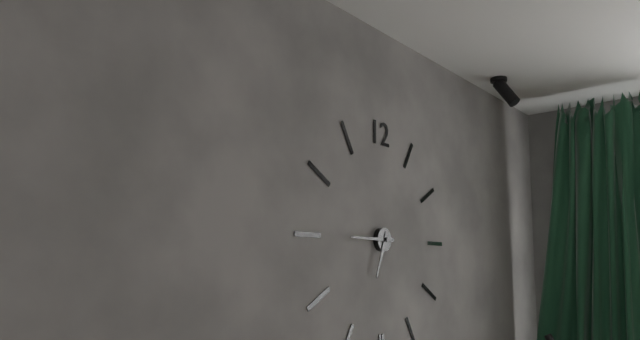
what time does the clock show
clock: 6:45
